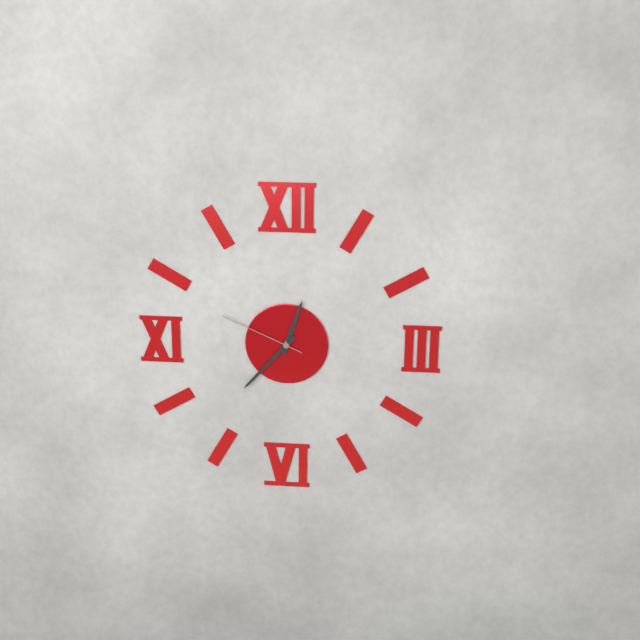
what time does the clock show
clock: 12:37:49
